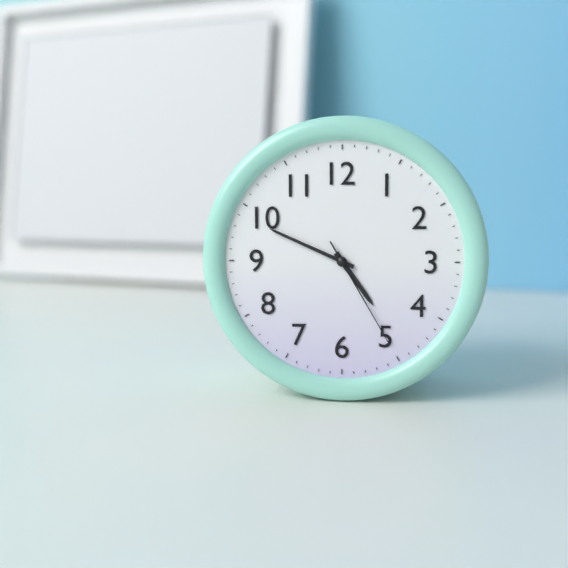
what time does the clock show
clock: 4:49:25
